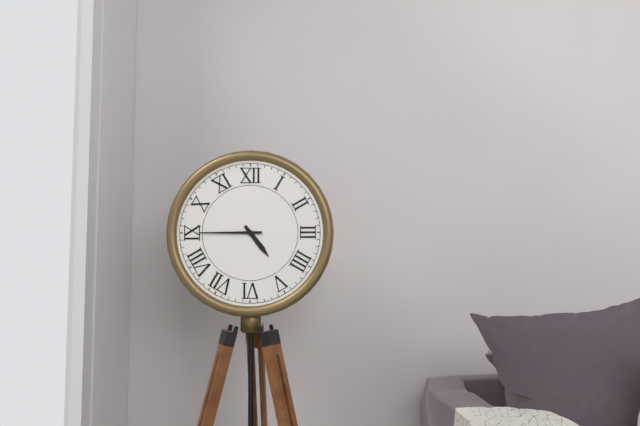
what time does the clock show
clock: 4:45
